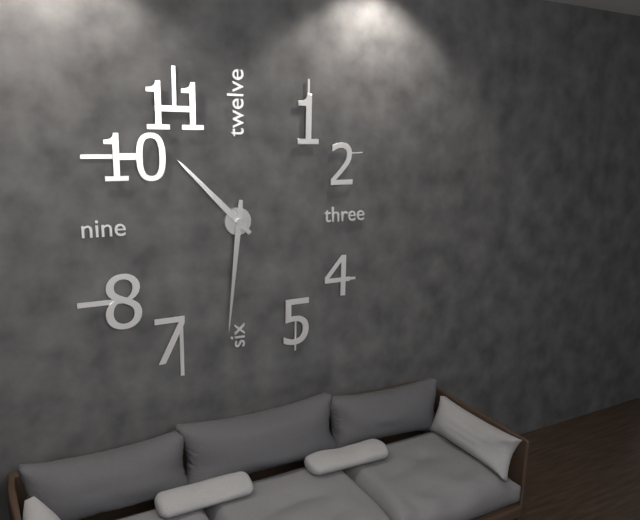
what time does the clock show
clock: 10:31
